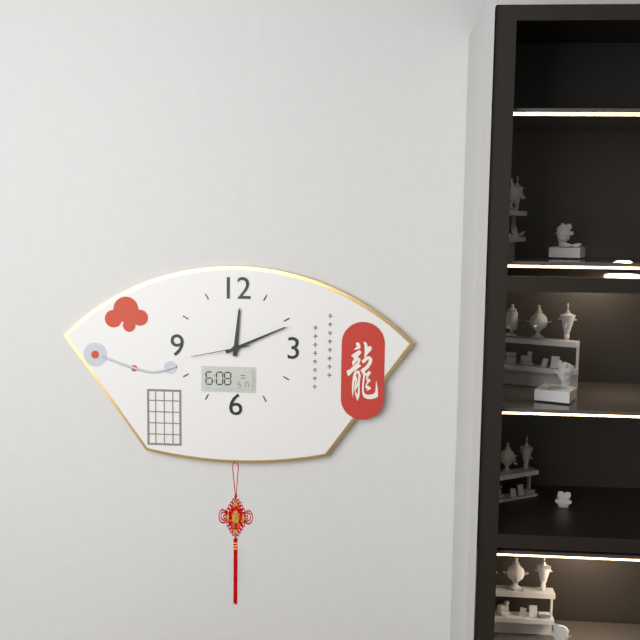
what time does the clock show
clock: 12:11:43
